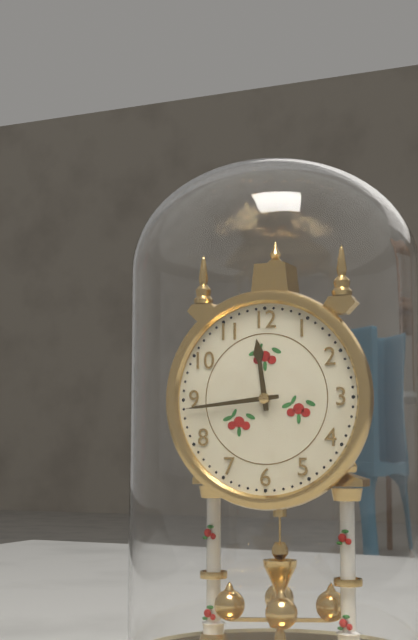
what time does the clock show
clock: 11:44
